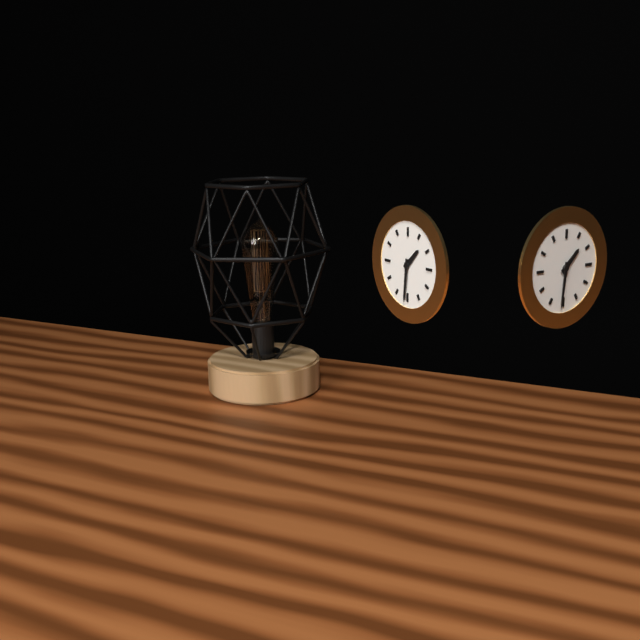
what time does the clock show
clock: 1:31
